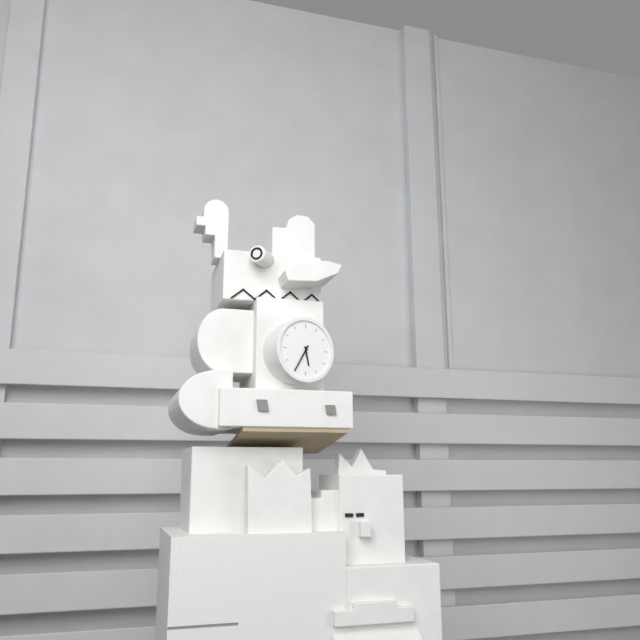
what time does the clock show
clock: 5:35
